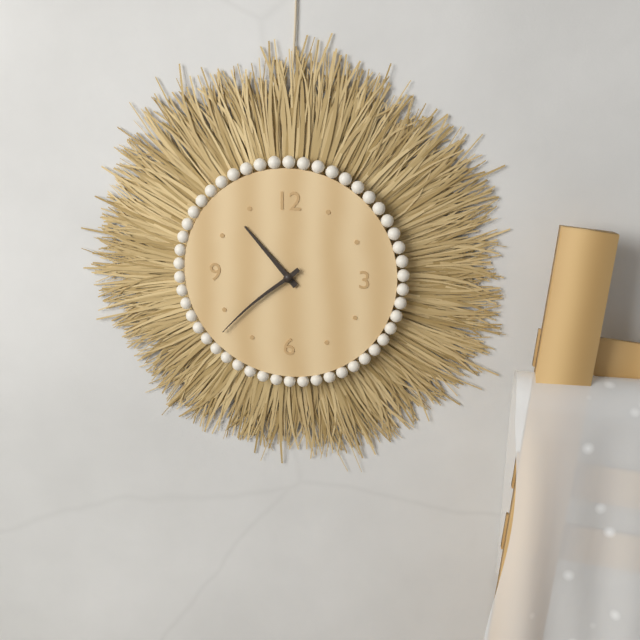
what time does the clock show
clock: 10:38
